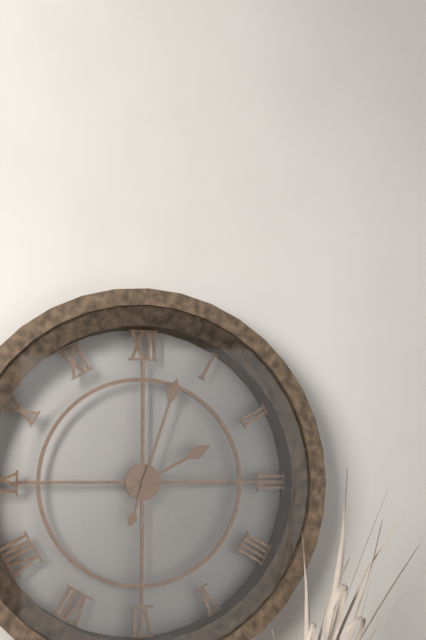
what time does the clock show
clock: 2:03
